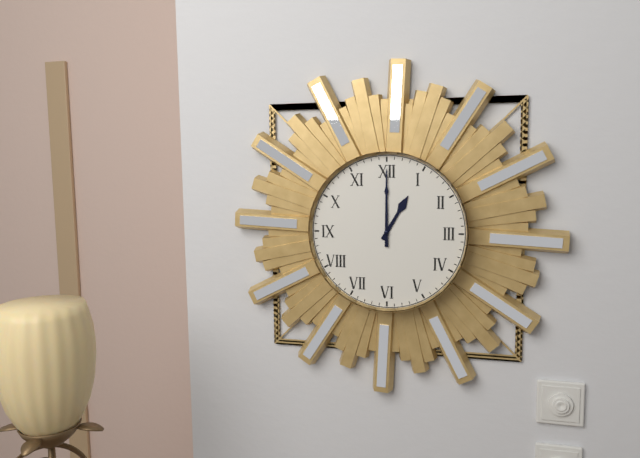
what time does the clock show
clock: 1:00
